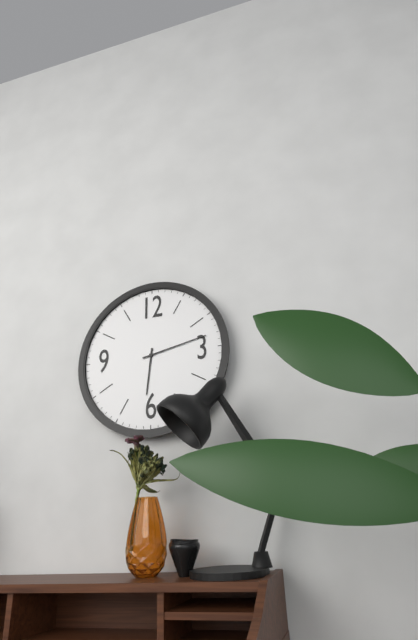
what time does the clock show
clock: 6:13
